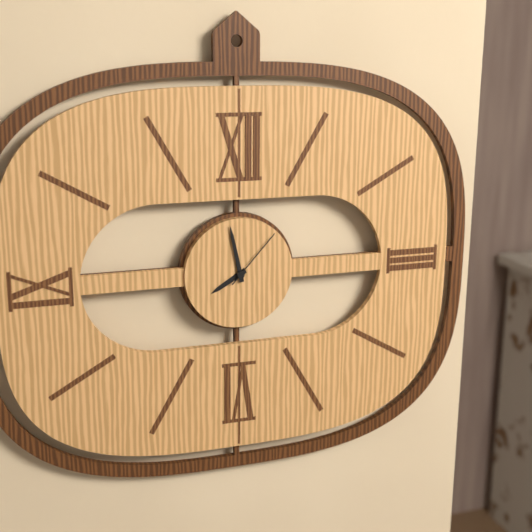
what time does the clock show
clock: 7:58:07
